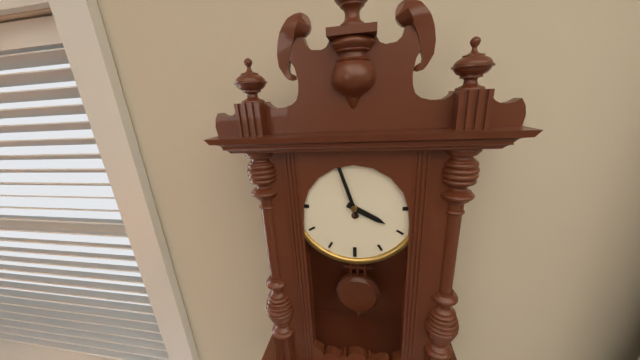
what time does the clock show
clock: 3:57
